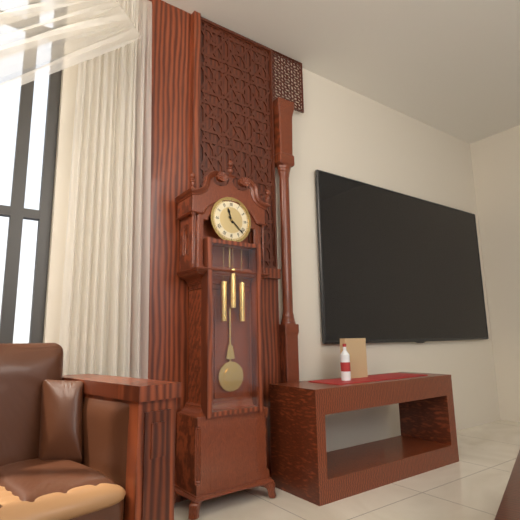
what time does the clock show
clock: 11:22
